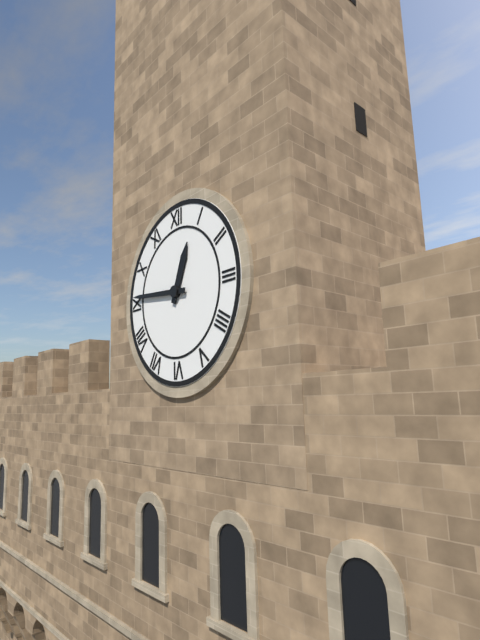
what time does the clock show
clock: 12:46
